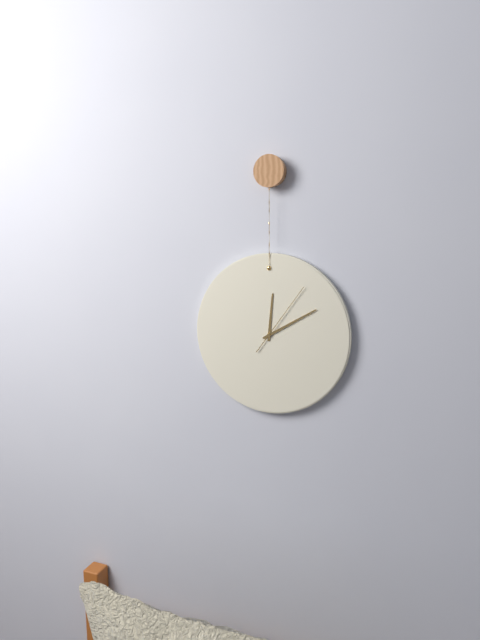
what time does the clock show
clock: 12:10:06
